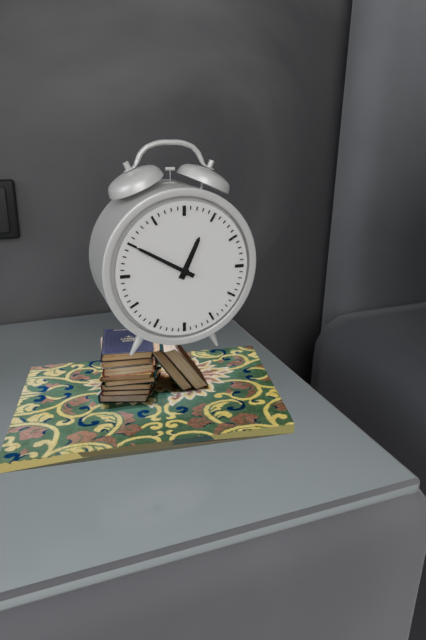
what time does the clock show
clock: 12:50
